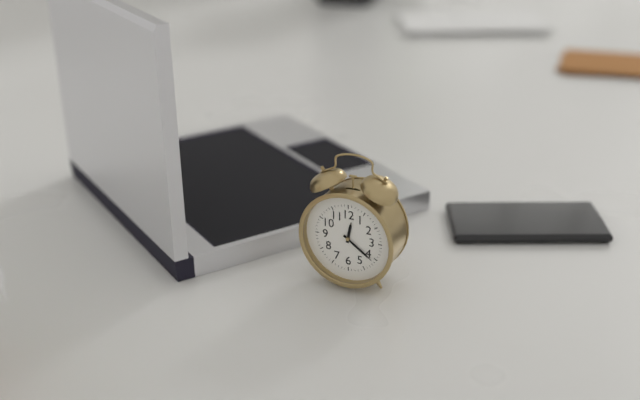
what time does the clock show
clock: 12:21
